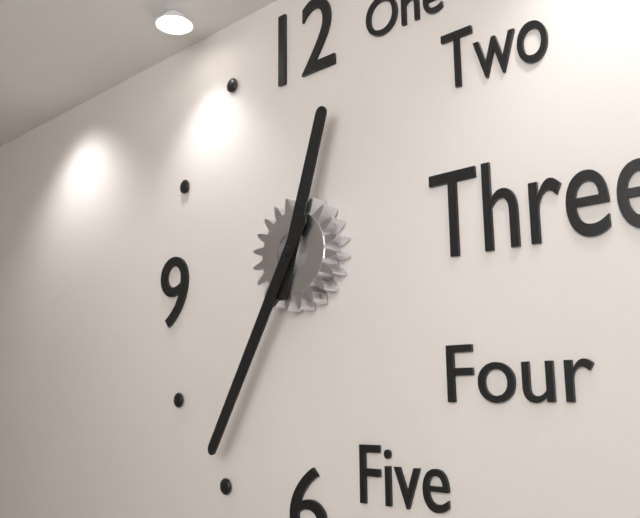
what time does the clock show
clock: 12:35
